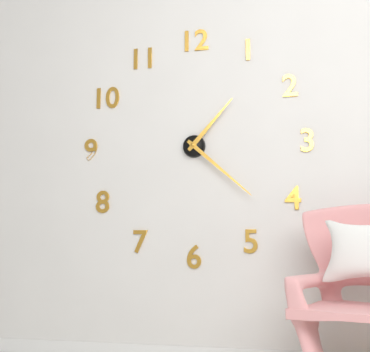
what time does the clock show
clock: 1:22
